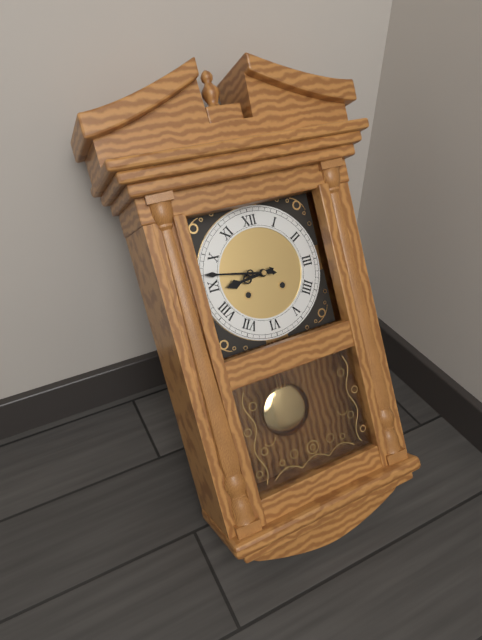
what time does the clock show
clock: 8:47
